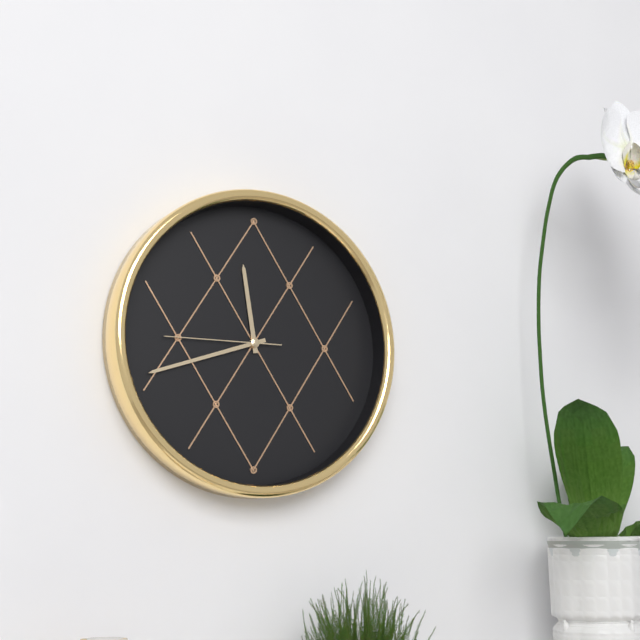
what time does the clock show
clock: 11:42:45
